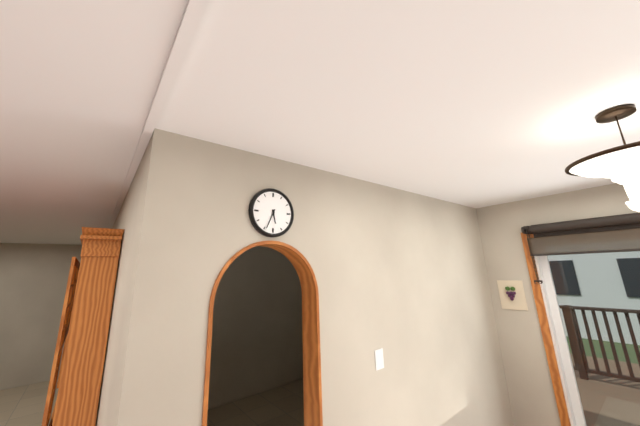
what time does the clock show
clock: 5:34
